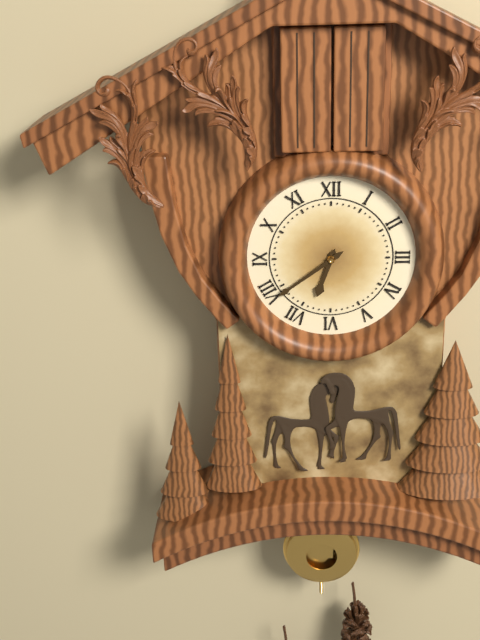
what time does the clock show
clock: 6:39
